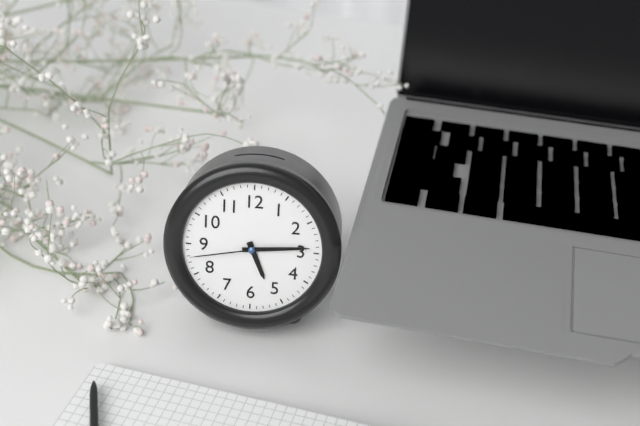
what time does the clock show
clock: 5:14:43
